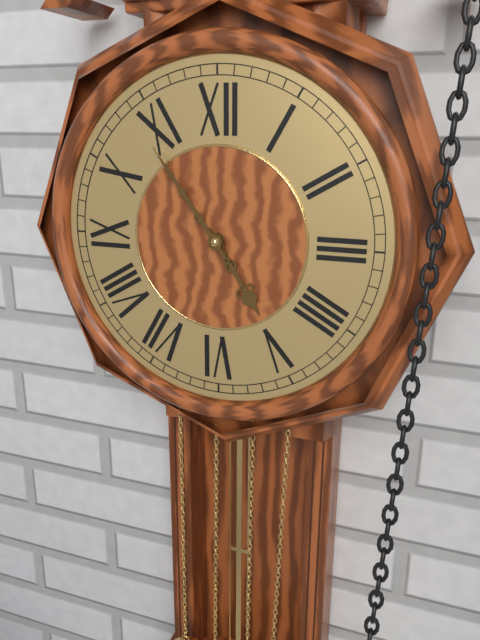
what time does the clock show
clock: 4:54
